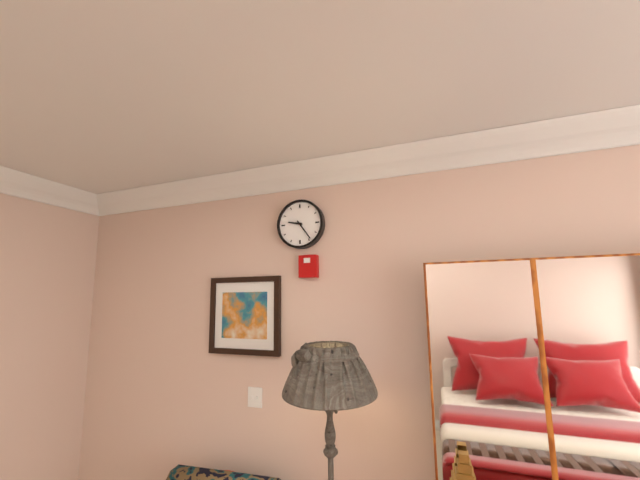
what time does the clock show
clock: 9:24
